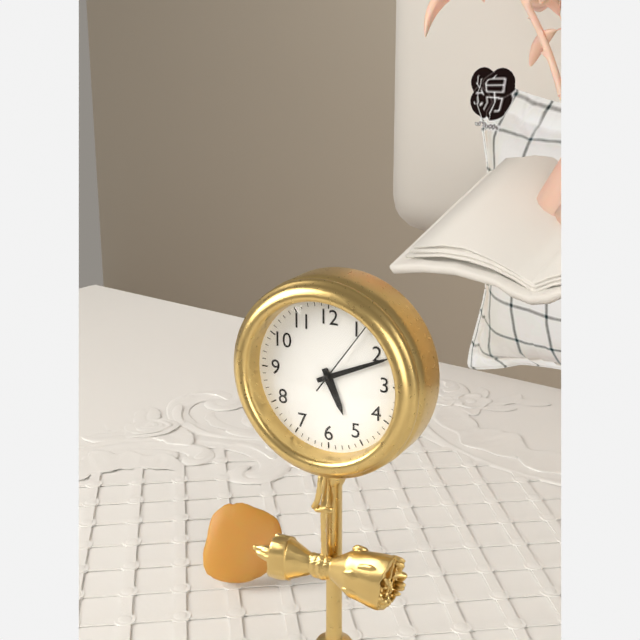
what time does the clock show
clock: 5:11:06
